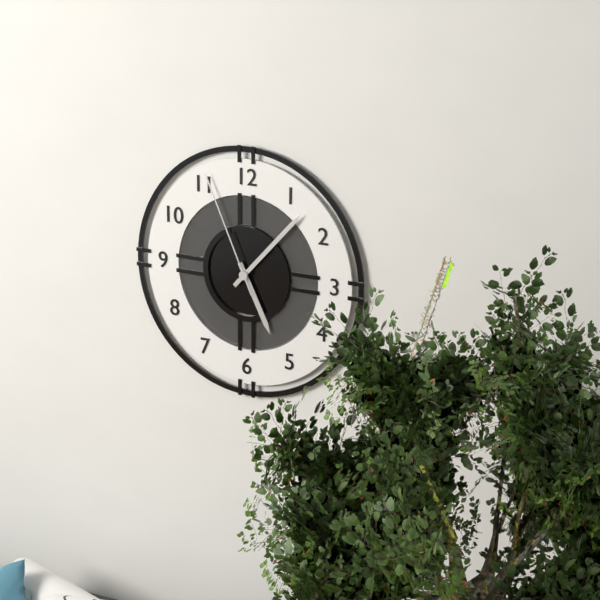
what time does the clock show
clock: 5:07:56
